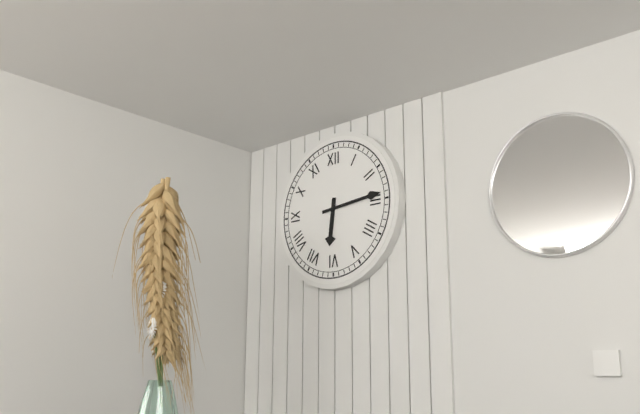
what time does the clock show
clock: 6:14
